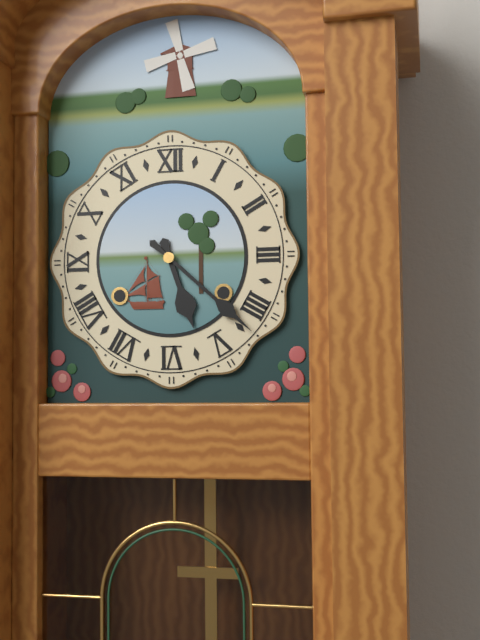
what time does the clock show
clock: 5:22
